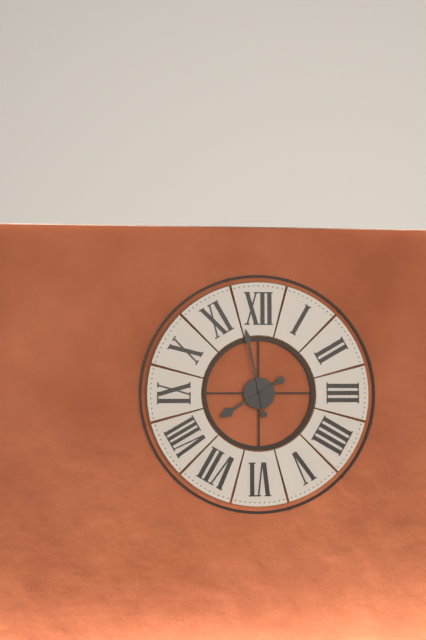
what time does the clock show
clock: 7:58
